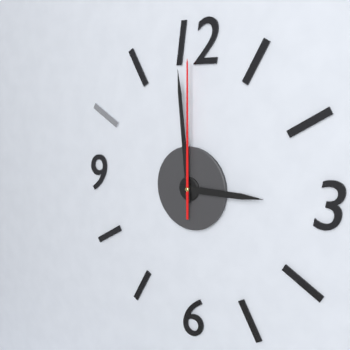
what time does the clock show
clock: 2:59:00
